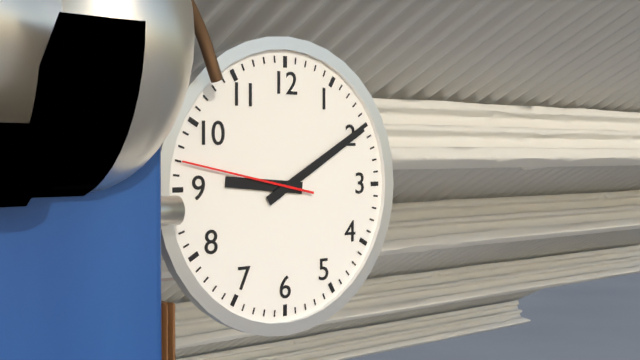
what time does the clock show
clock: 9:10:47
